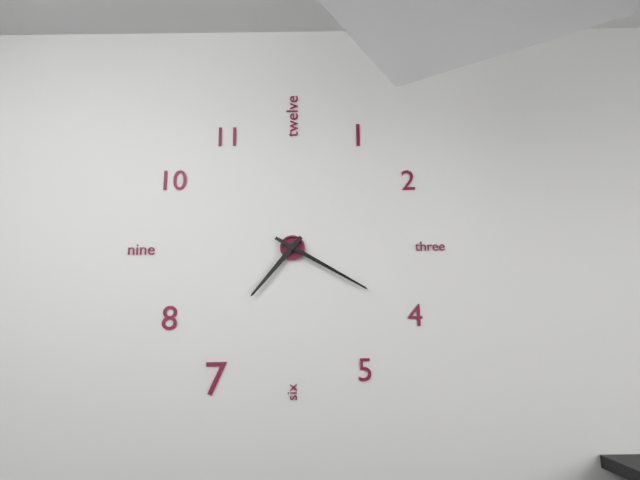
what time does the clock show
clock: 7:20
